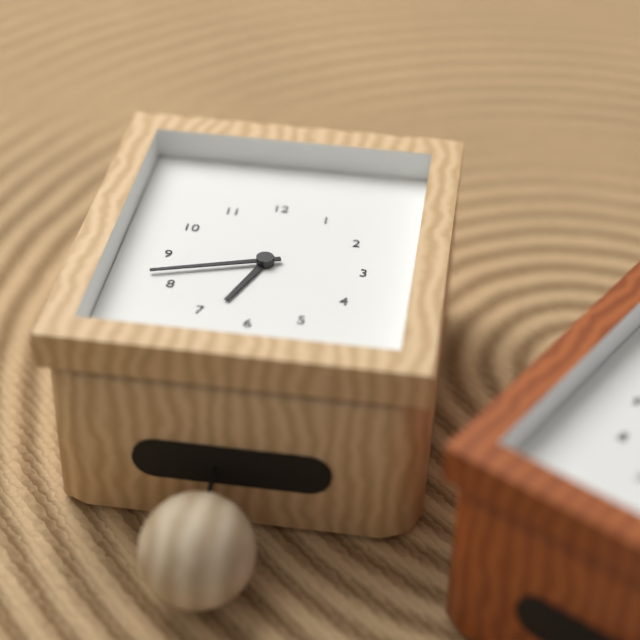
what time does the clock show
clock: 6:42
